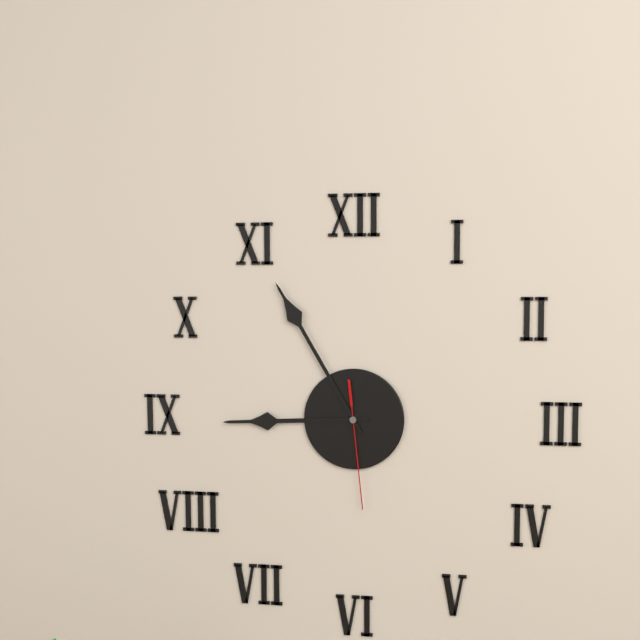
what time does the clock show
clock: 8:55:29
